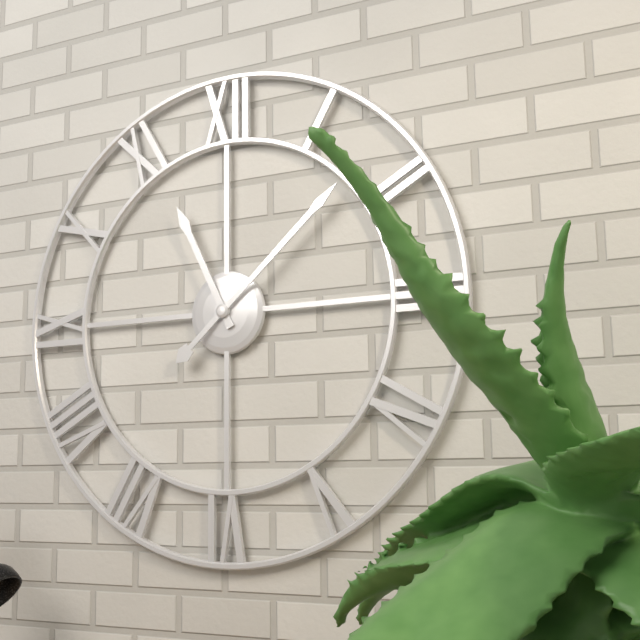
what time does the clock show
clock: 11:08
